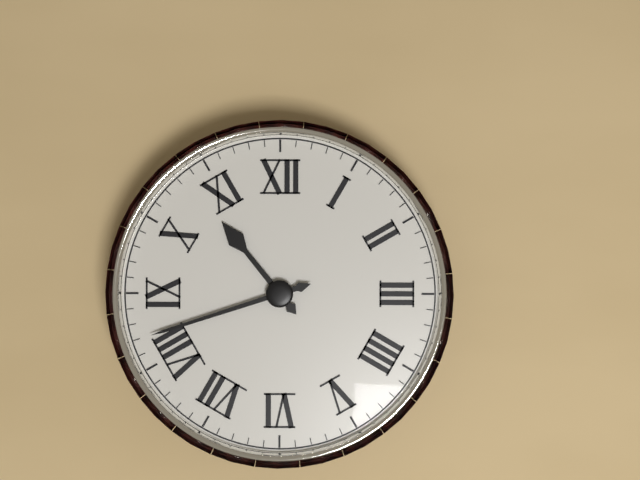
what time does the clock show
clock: 10:42
